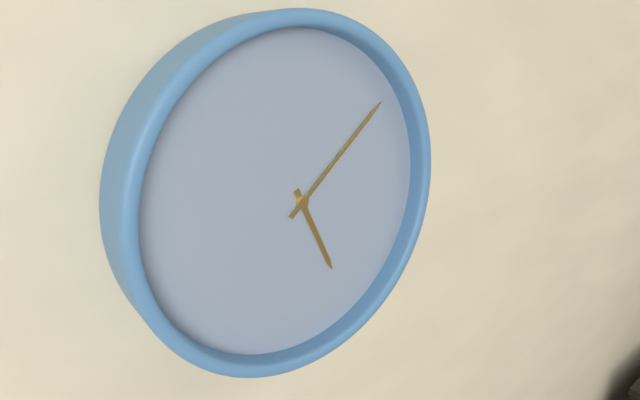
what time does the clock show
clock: 5:08
